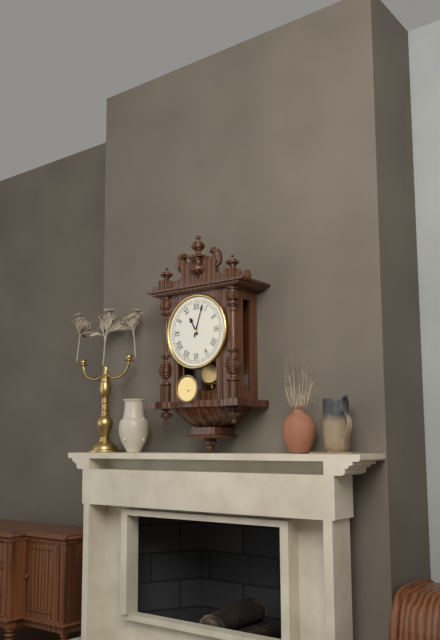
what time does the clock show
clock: 11:03
